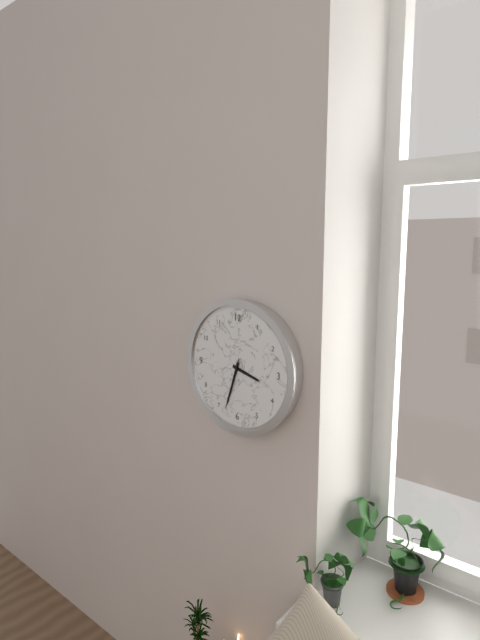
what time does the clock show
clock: 3:33:33
